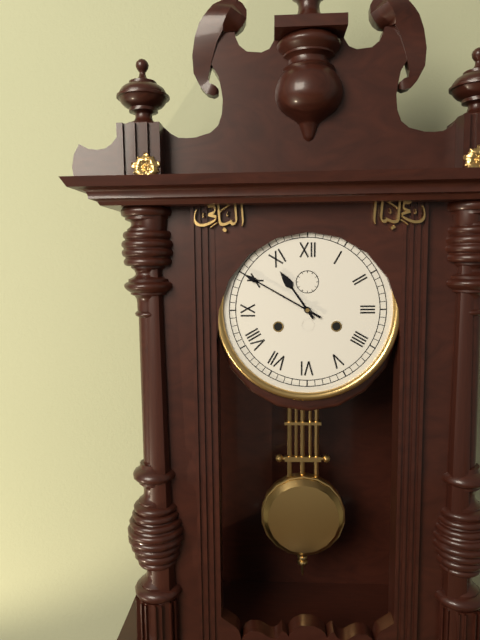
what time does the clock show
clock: 10:50
